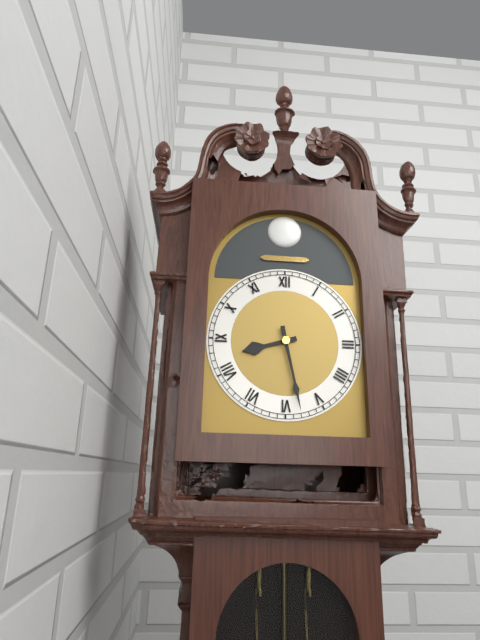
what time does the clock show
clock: 8:28
